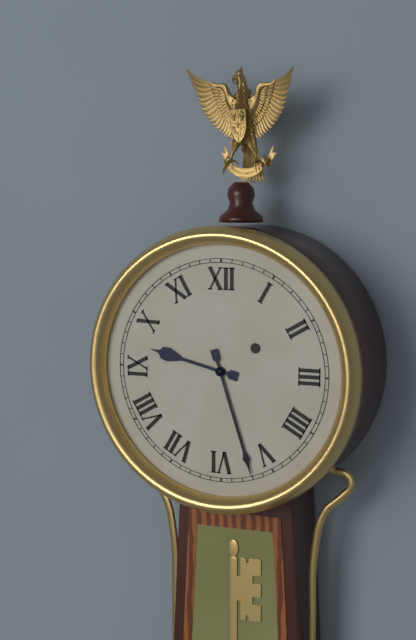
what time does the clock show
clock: 9:27
